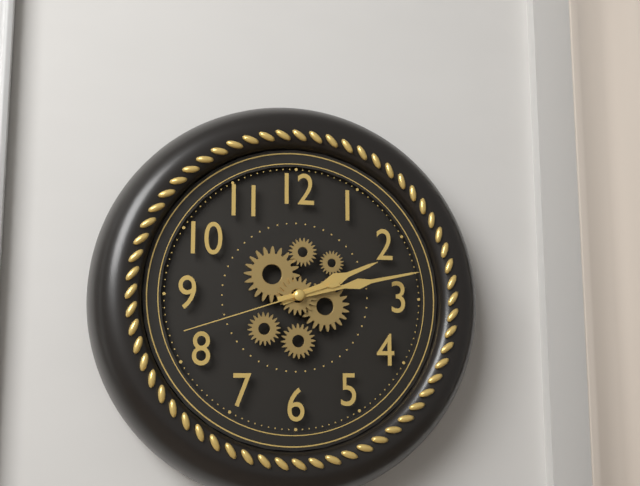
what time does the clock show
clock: 2:13:42
